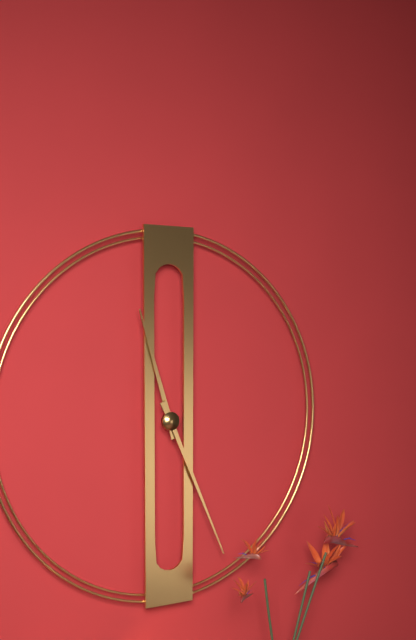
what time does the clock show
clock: 11:26
